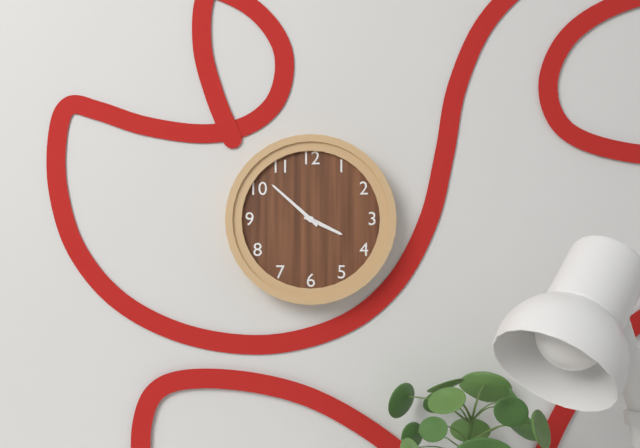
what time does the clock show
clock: 3:52
